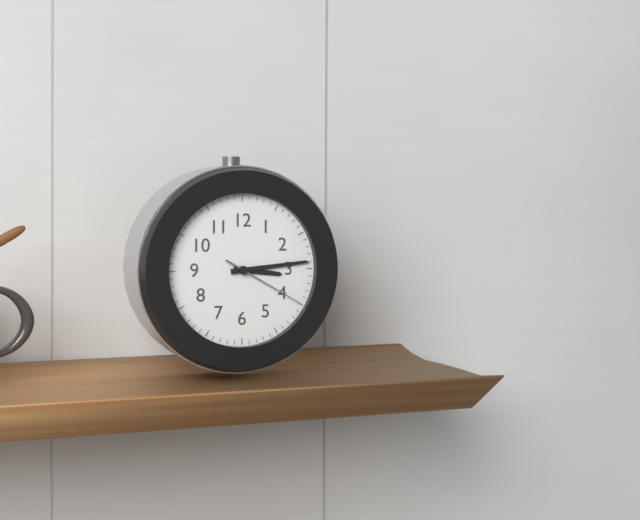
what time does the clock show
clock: 3:14:20
